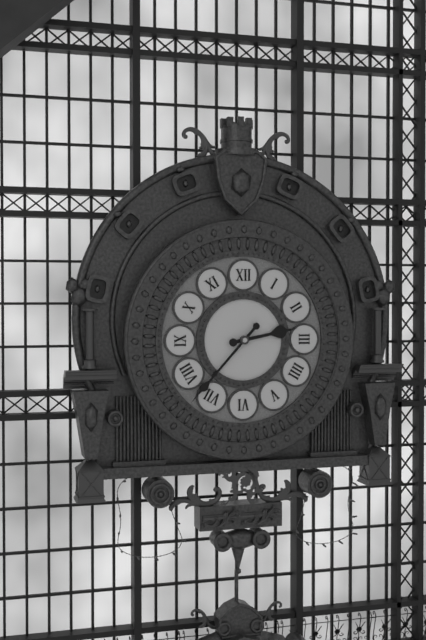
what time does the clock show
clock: 2:37
